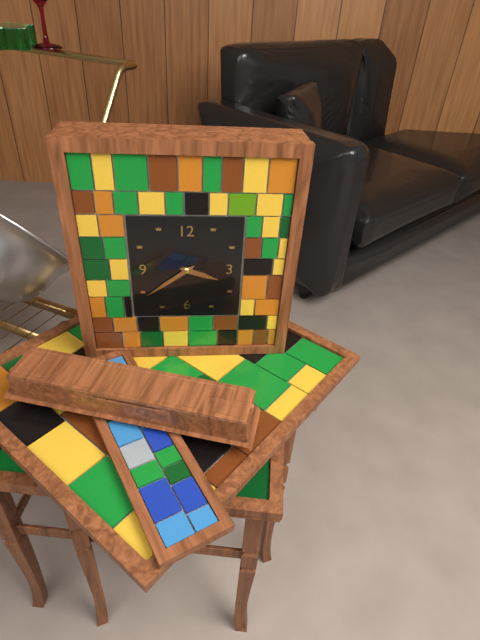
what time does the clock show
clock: 3:39
